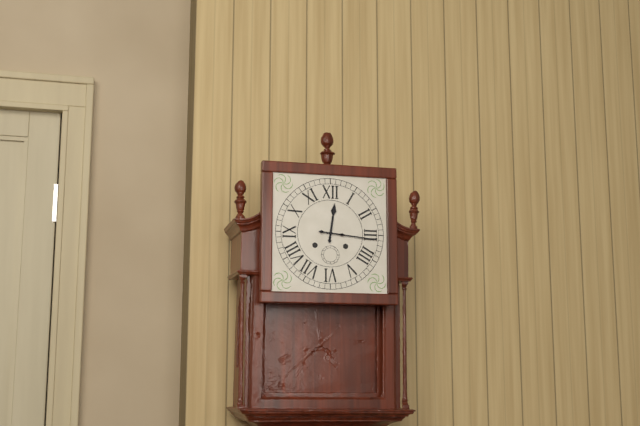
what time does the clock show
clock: 12:16
